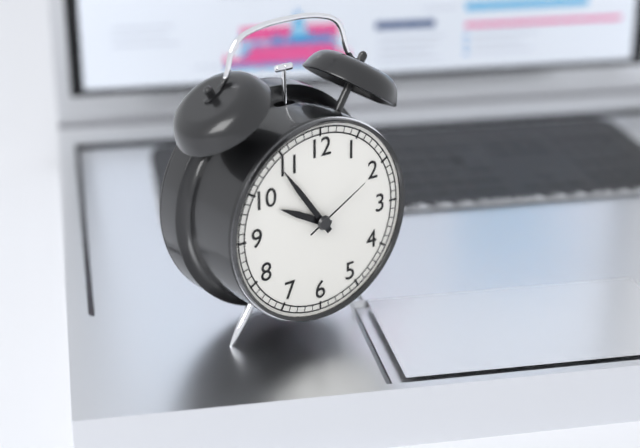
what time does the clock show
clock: 9:54:10
